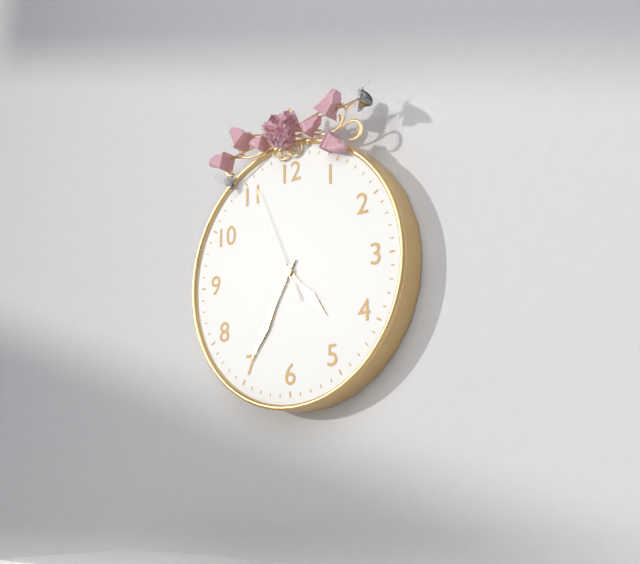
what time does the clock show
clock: 4:35:56
